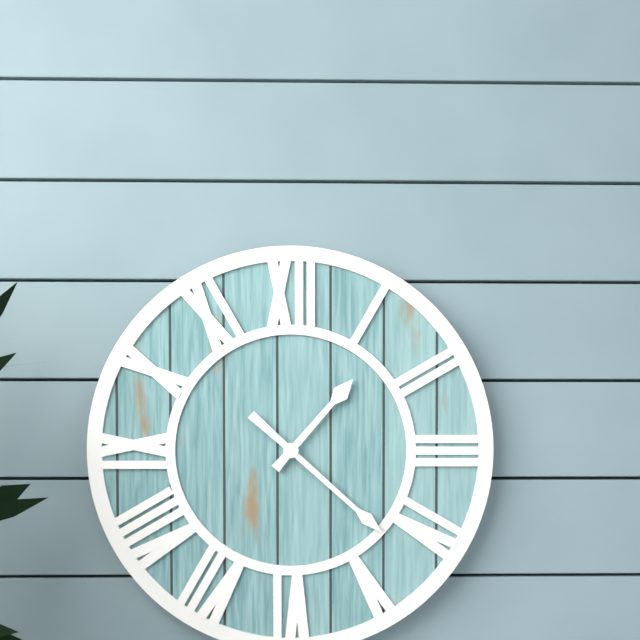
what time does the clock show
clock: 1:22
